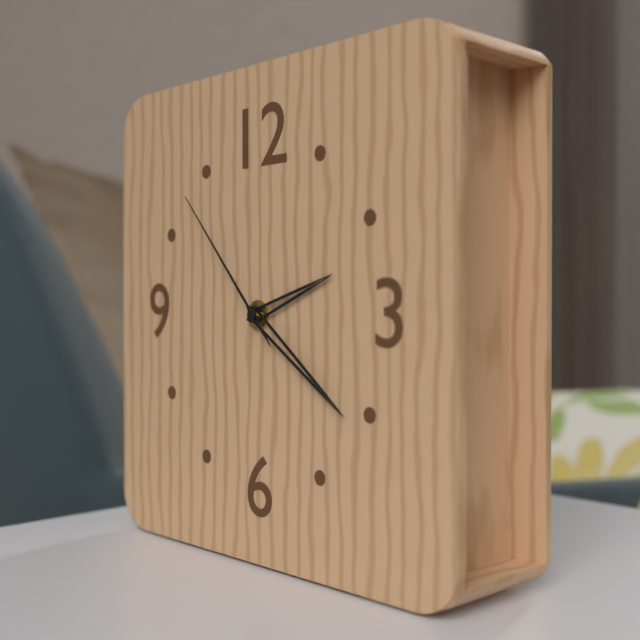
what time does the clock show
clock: 2:21:53
